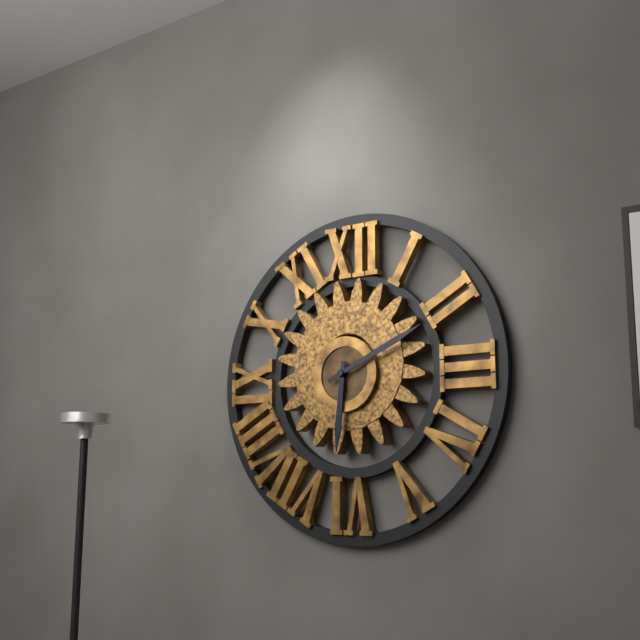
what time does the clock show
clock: 6:11
